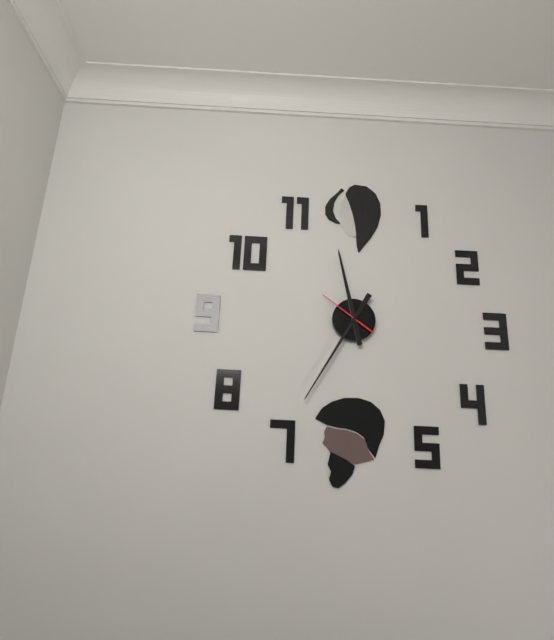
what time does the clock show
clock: 11:35:51
